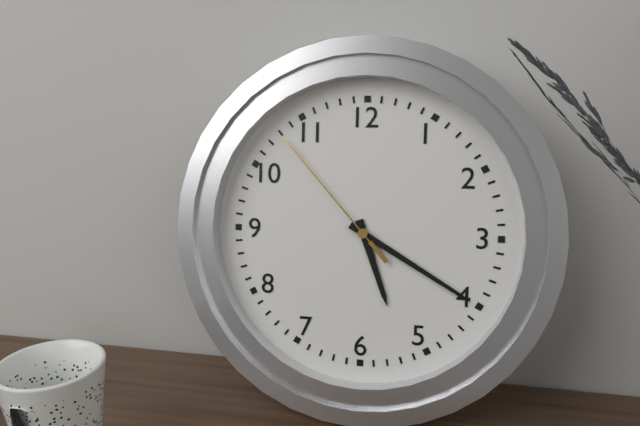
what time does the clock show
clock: 5:20:53
